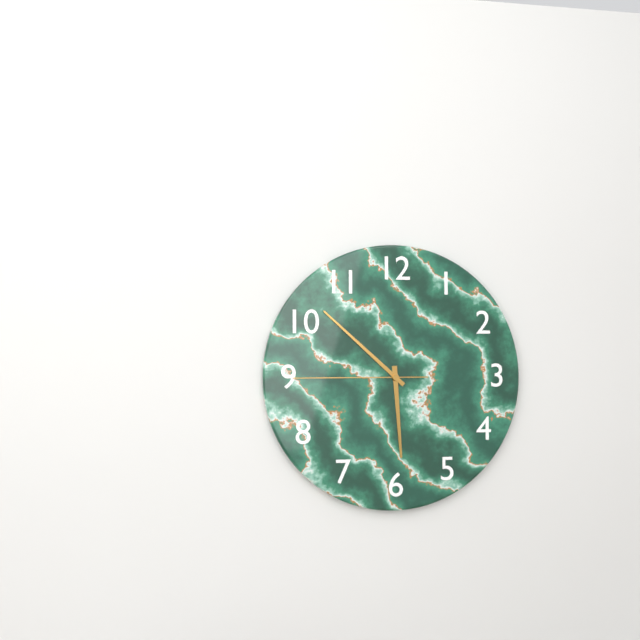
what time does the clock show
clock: 5:52:45
